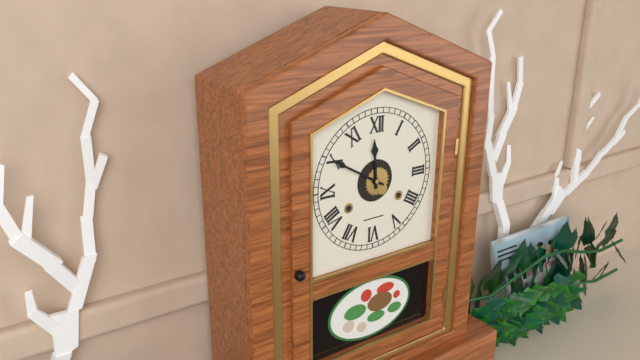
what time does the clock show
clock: 11:50
